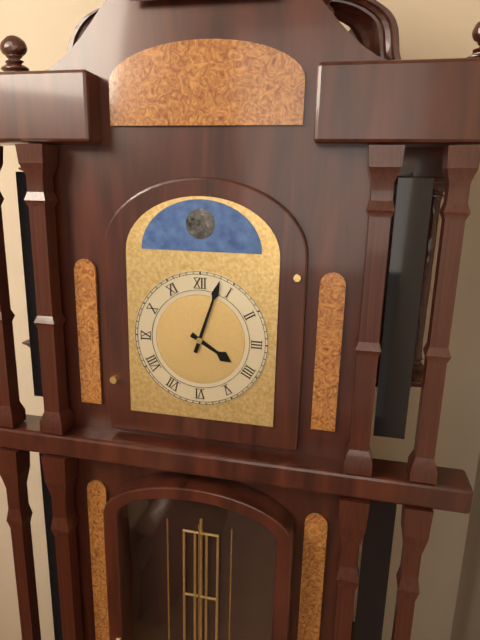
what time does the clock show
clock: 4:03
